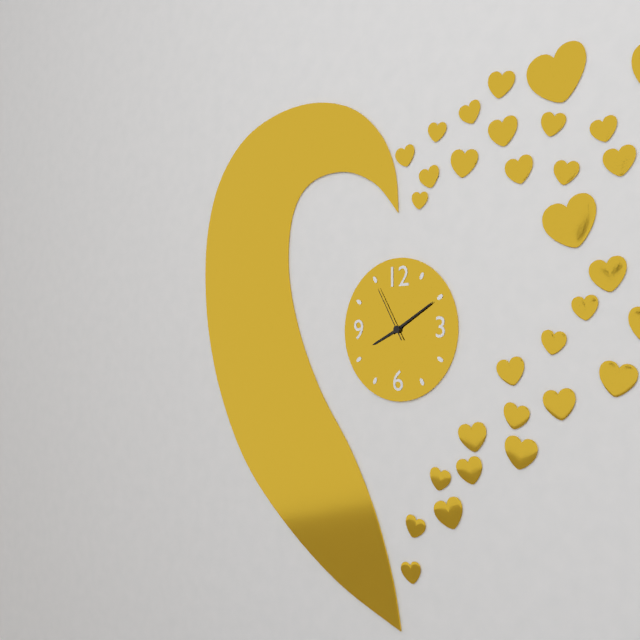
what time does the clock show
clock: 8:10:55
